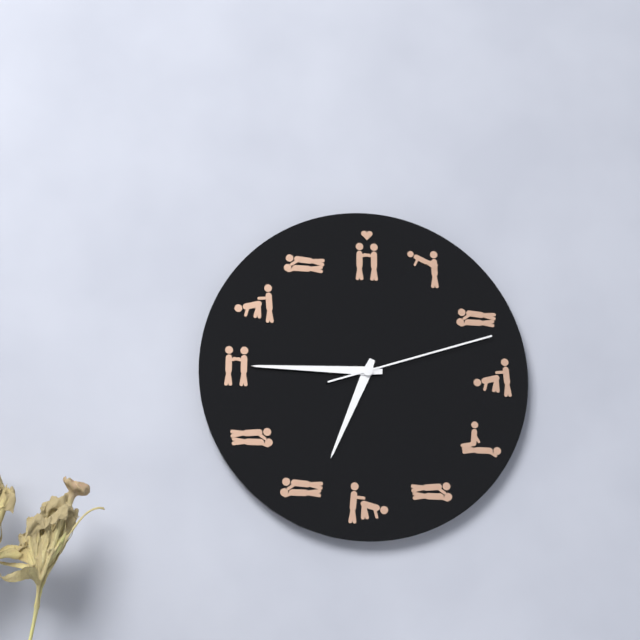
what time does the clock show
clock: 6:45:12
